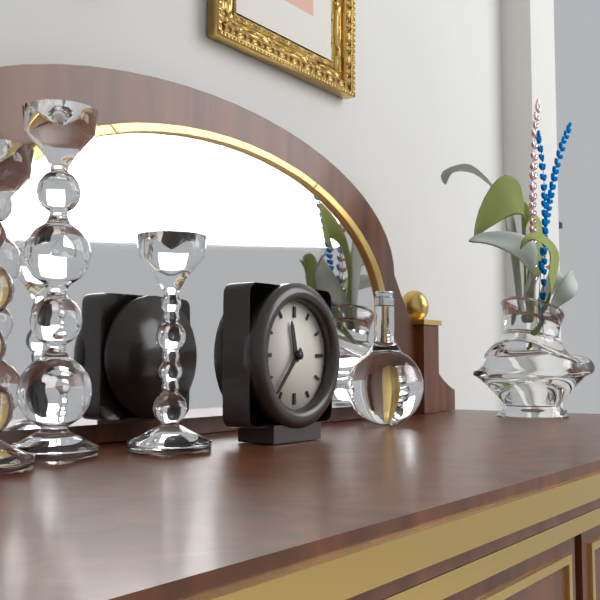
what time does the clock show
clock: 11:37
